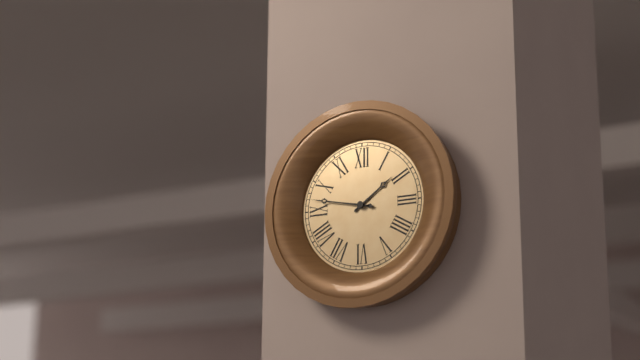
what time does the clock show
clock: 1:47
